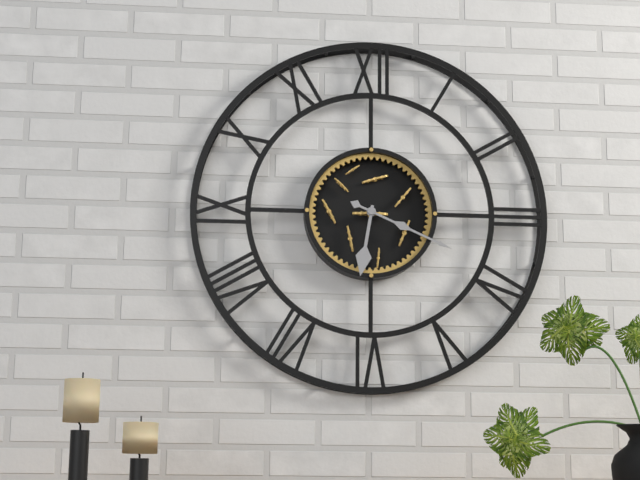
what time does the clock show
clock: 6:19
